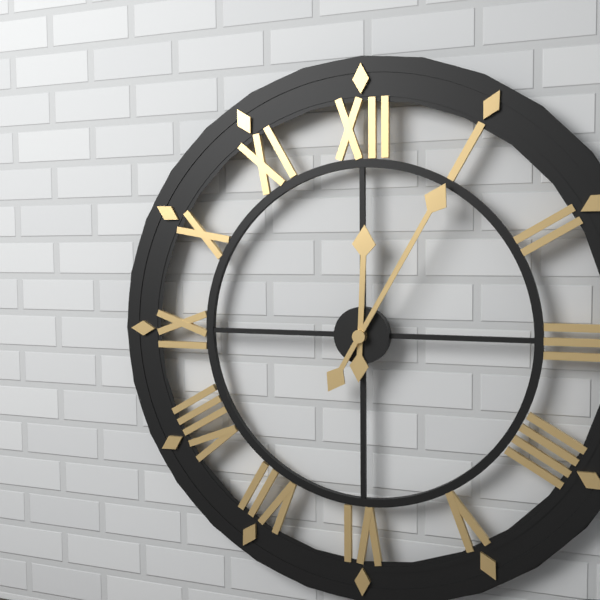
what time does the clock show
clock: 12:05
